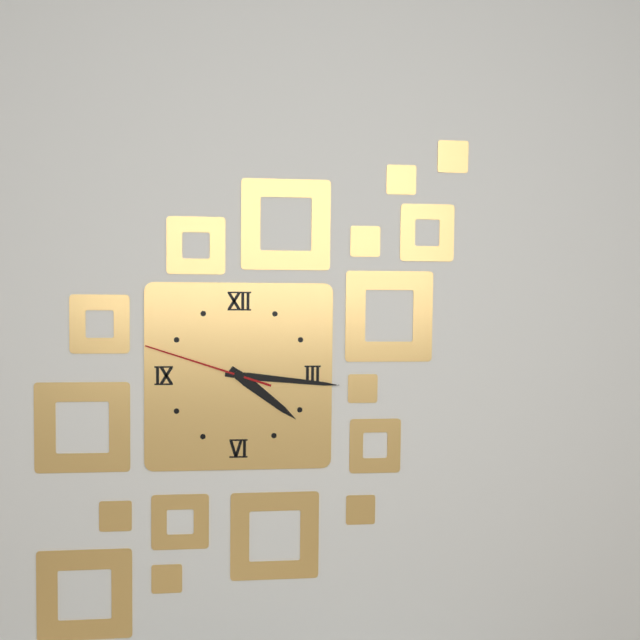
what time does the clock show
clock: 4:16:48
